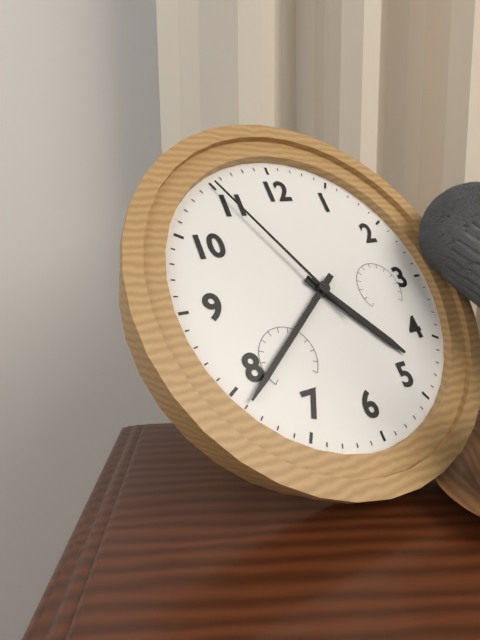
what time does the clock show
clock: 4:39:55
